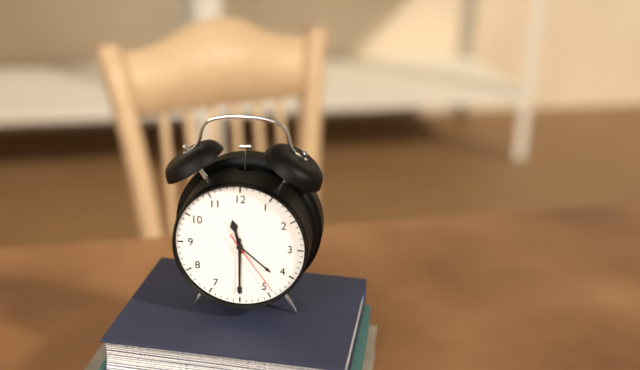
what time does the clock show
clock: 11:30:24
